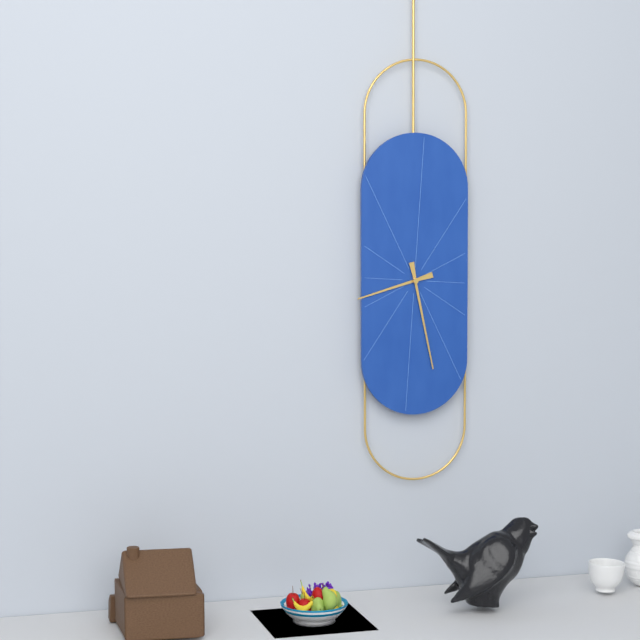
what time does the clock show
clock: 8:28
